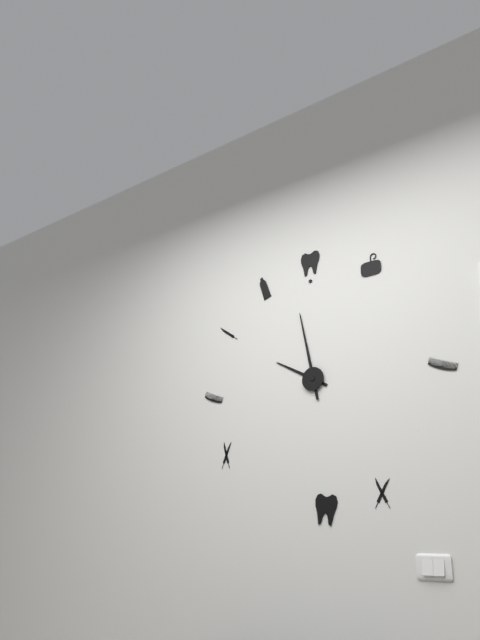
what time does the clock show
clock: 9:58
